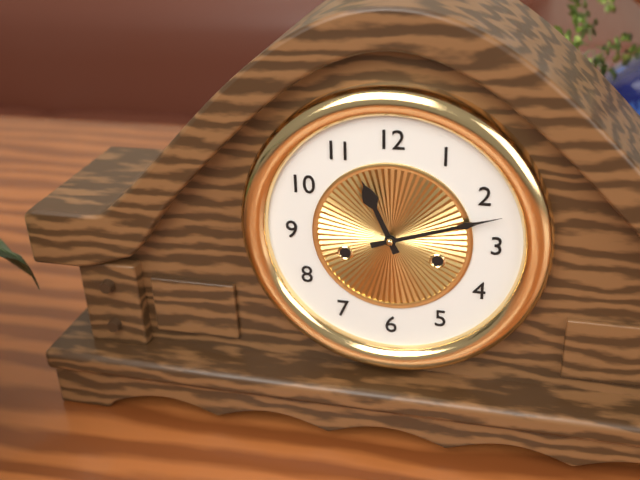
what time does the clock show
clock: 11:12
